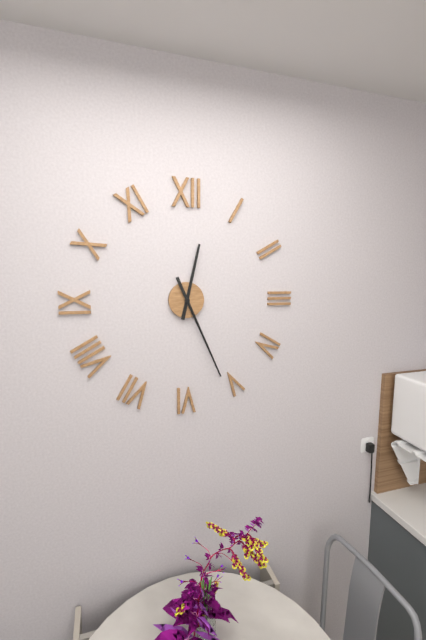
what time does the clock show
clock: 12:26
